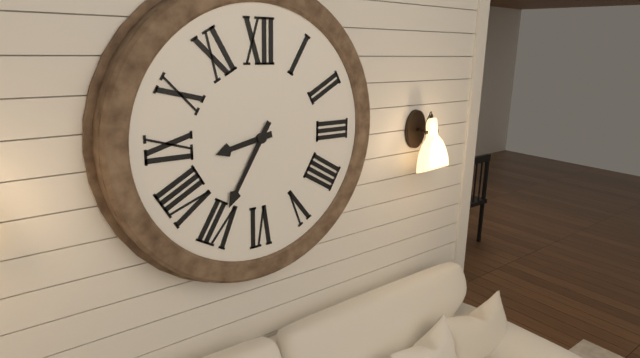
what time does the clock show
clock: 8:35
